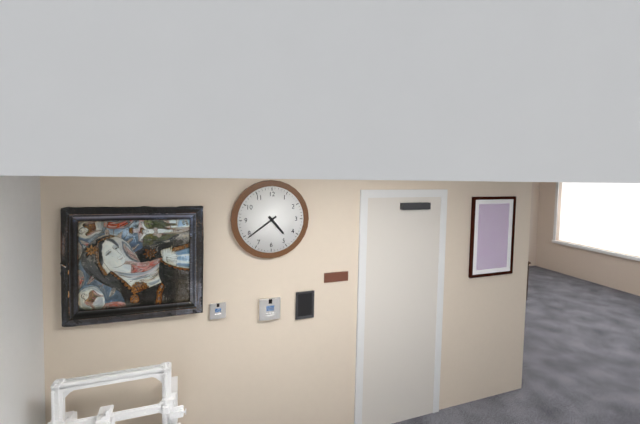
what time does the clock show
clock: 4:39
